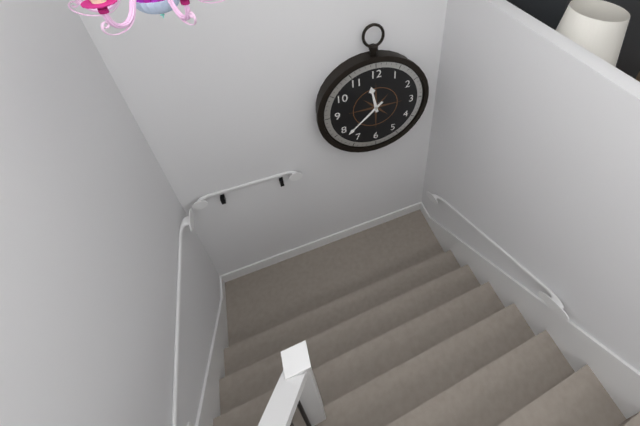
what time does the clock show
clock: 11:38
